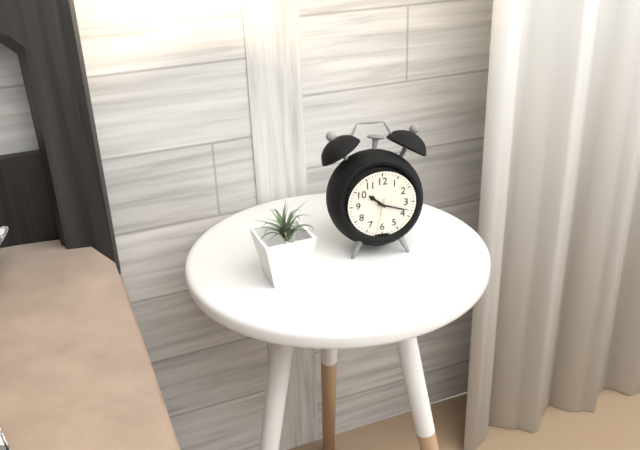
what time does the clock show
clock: 10:18
